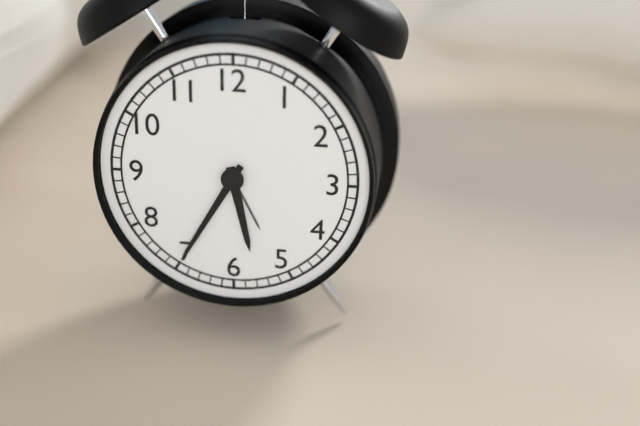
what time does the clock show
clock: 5:35
